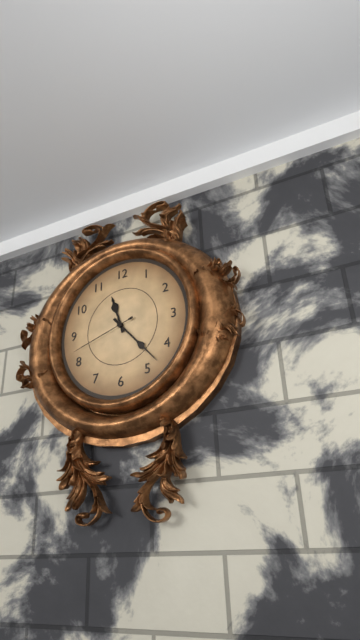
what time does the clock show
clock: 11:23:42
